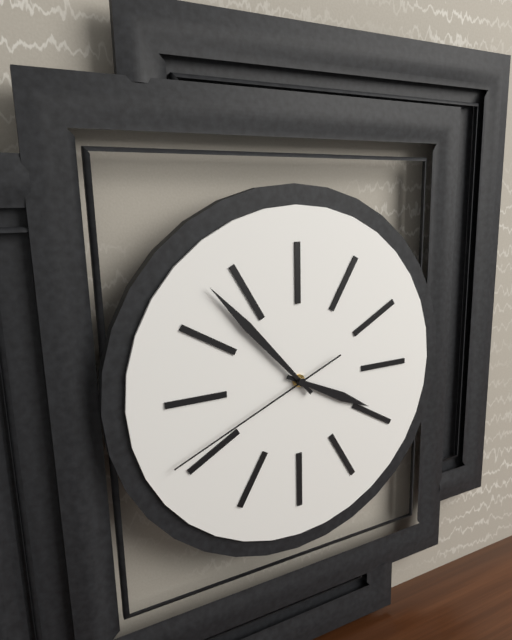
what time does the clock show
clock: 3:53:41
